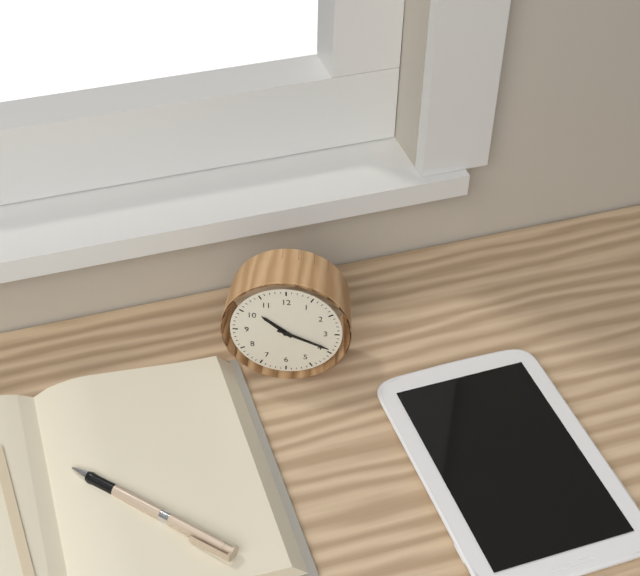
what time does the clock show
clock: 10:19
